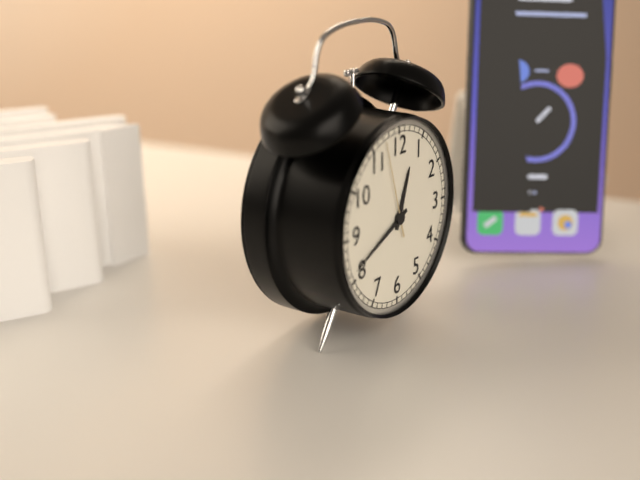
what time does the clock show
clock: 12:41:57
